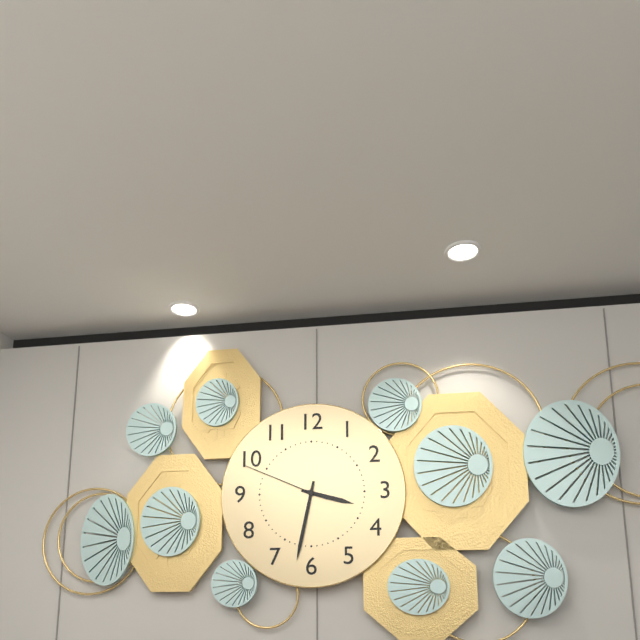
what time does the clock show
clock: 3:32:49
